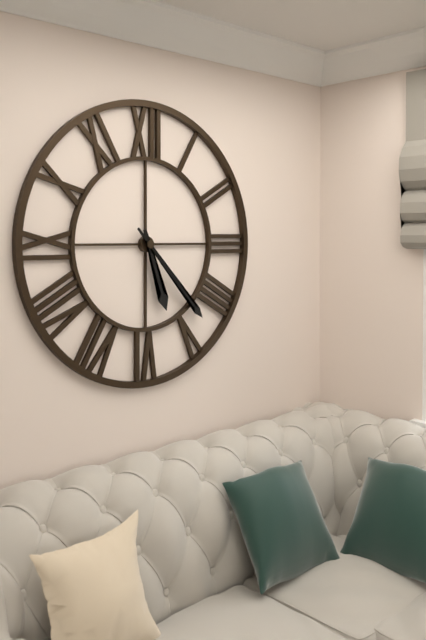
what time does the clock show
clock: 5:23
